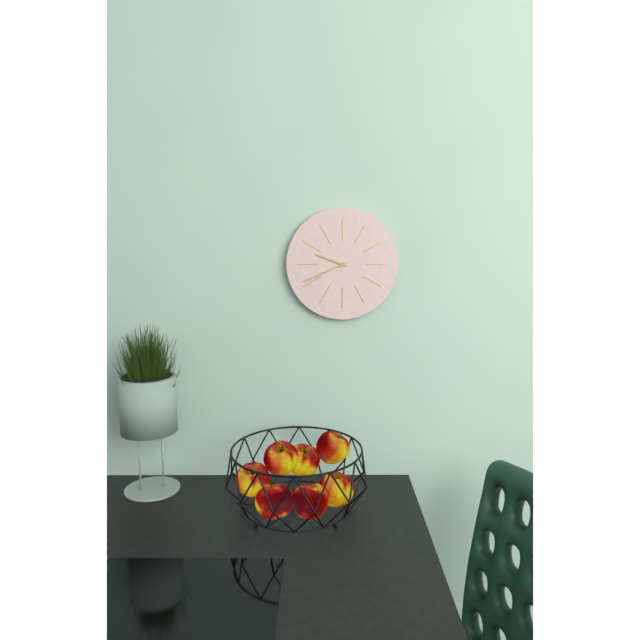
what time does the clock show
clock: 9:41
